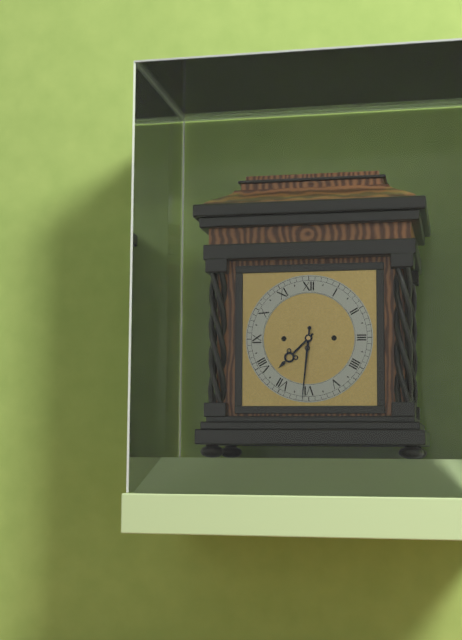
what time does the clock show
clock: 7:31
